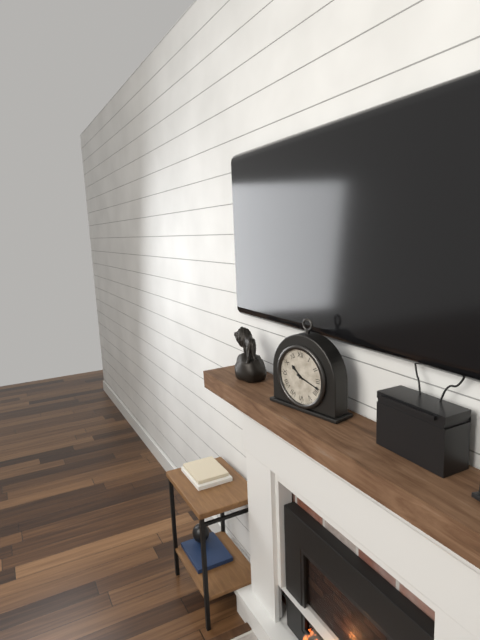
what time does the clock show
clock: 10:18
